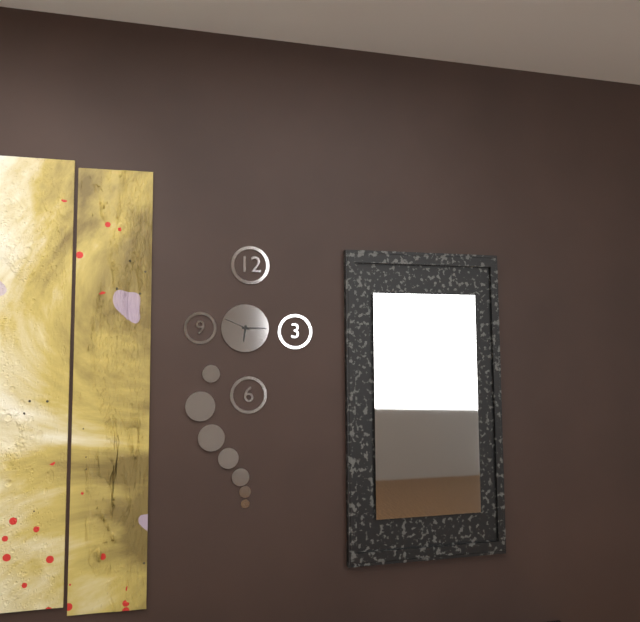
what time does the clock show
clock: 6:15
